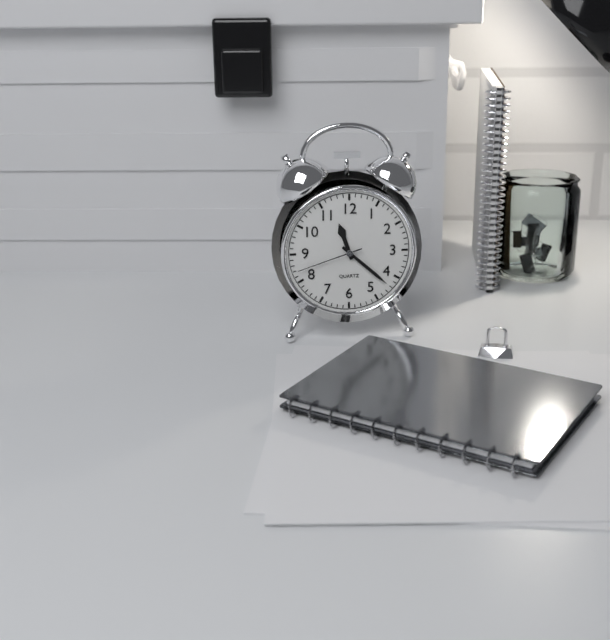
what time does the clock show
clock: 11:22:42
